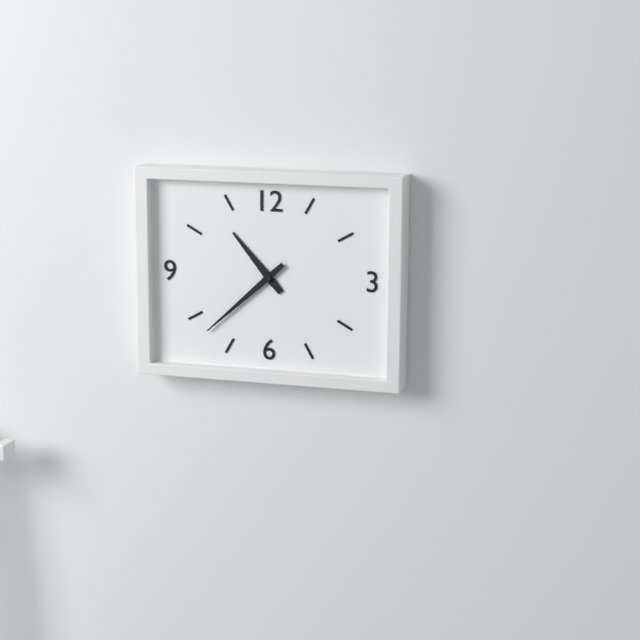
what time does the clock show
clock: 10:38
